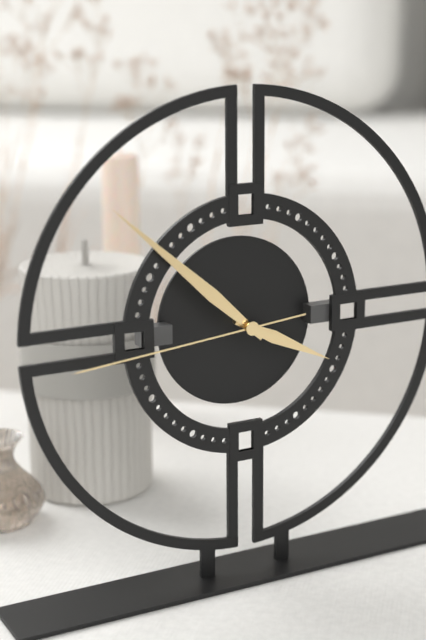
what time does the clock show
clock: 3:52:44
